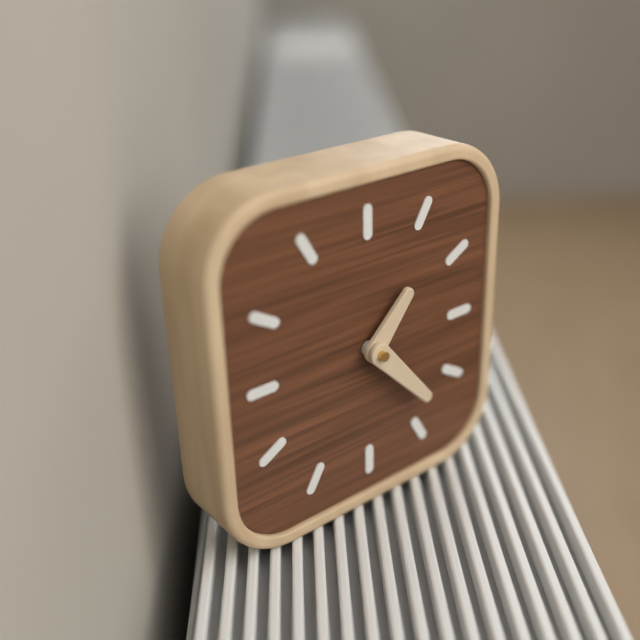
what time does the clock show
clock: 1:23
